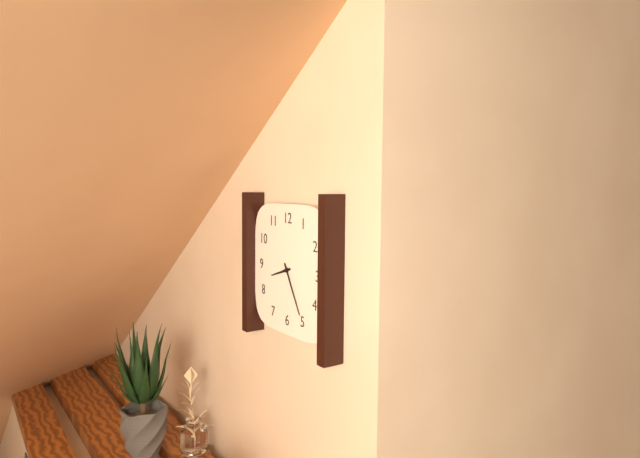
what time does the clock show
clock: 8:25
